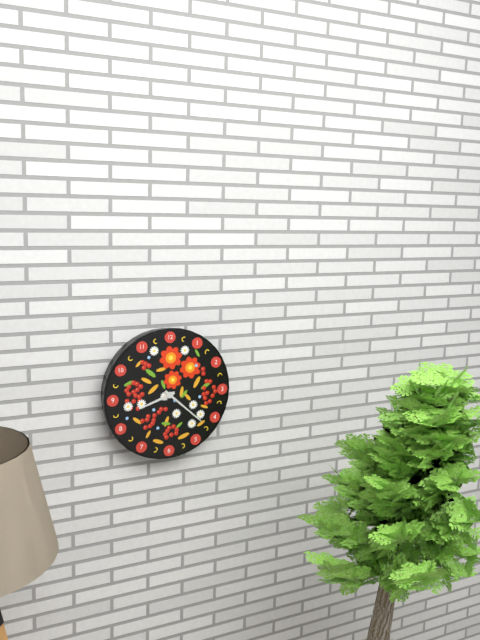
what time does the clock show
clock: 8:22
